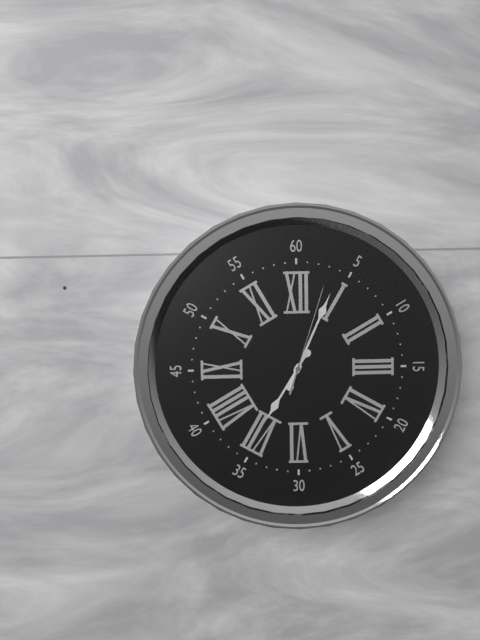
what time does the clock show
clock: 7:04:03
